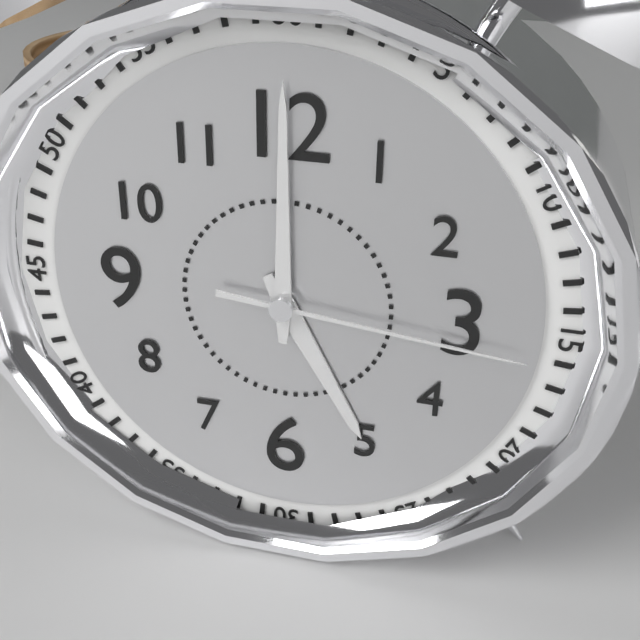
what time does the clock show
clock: 5:00:16
